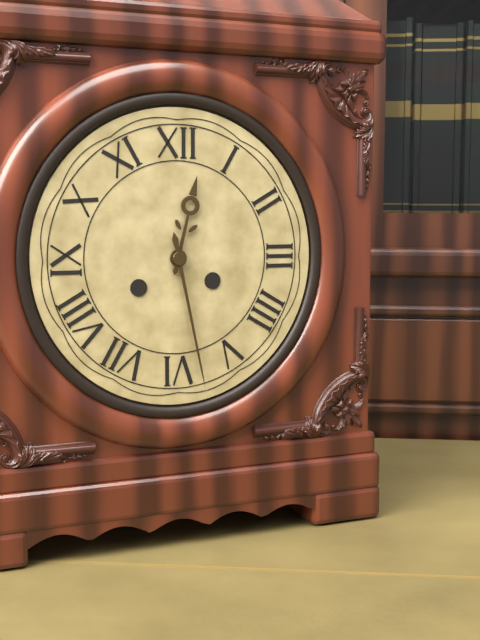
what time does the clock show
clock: 12:28
